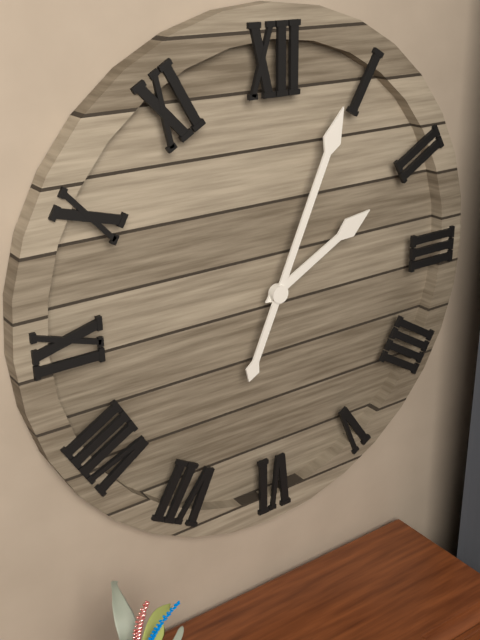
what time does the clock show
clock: 2:04
